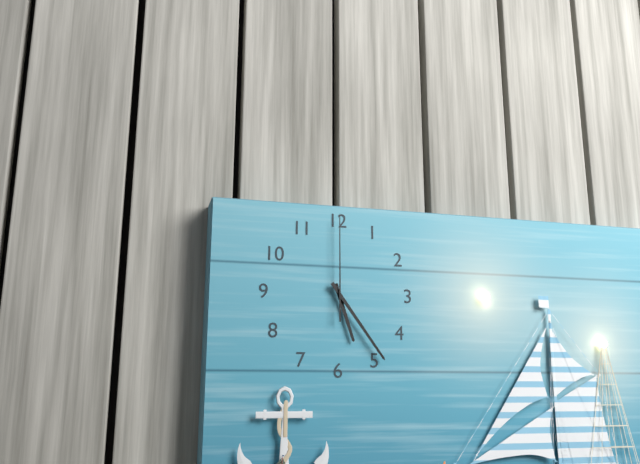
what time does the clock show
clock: 5:24:00
